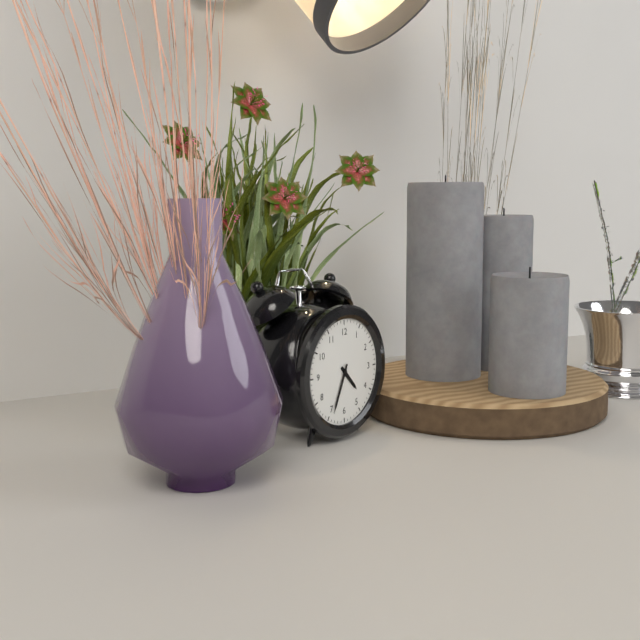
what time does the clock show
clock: 4:34
